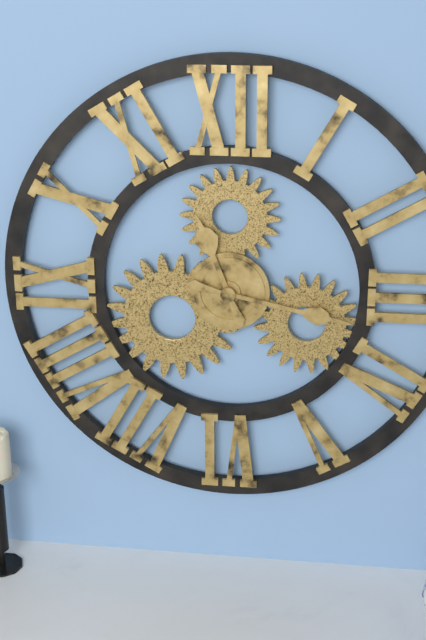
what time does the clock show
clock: 11:17
